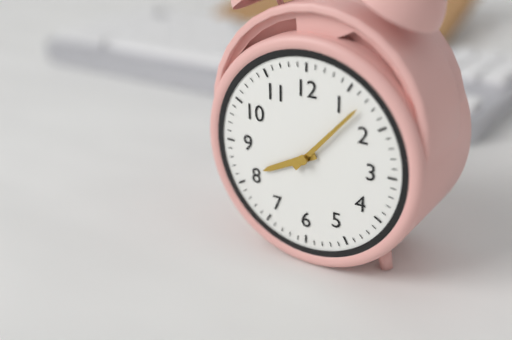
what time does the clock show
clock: 8:07
